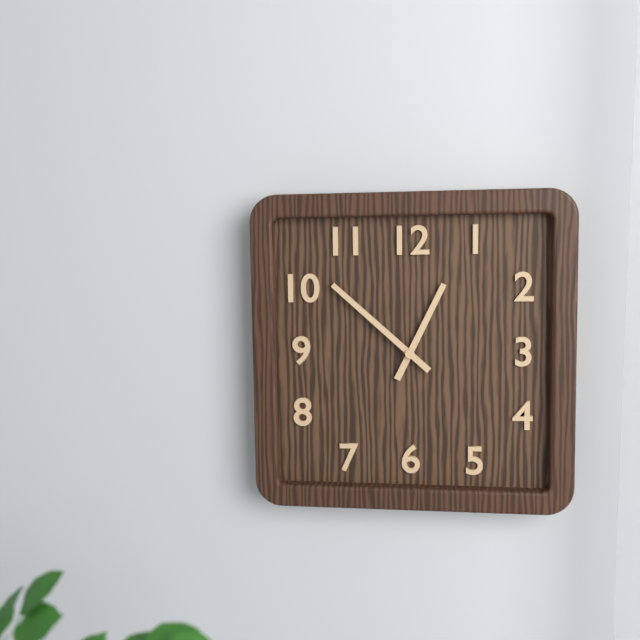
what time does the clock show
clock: 12:52
